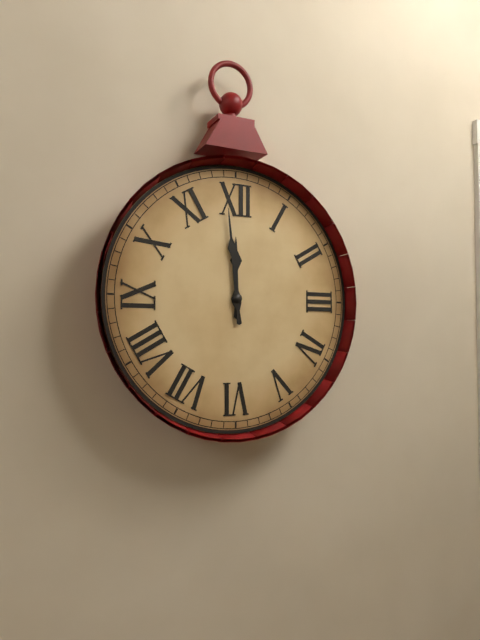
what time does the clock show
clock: 11:59
